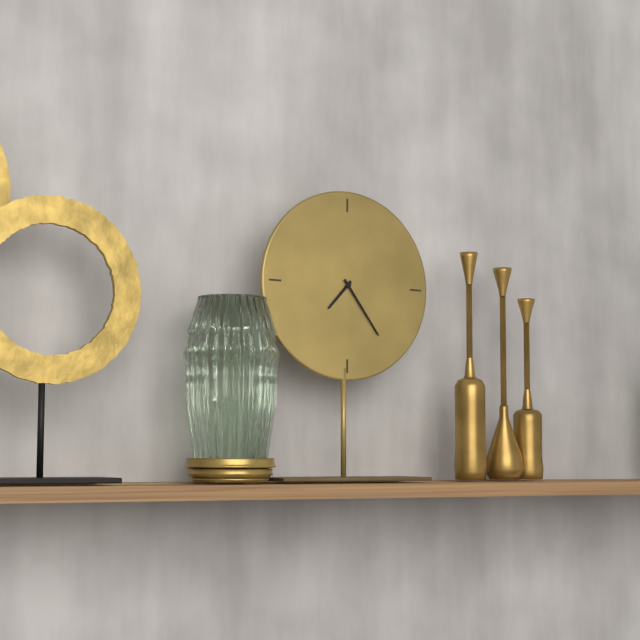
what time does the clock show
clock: 7:24
